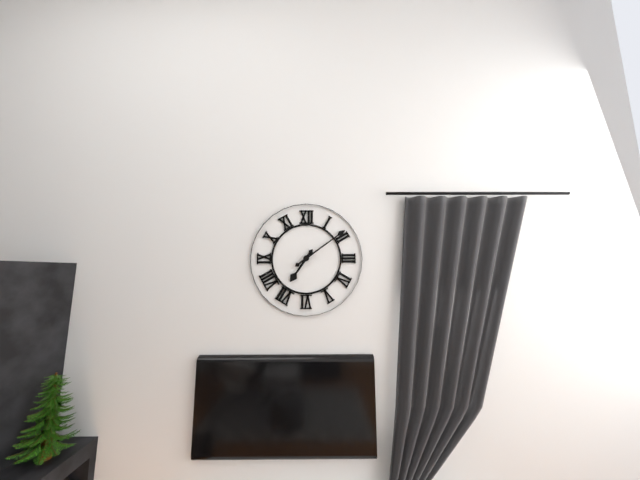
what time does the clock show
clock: 7:09
